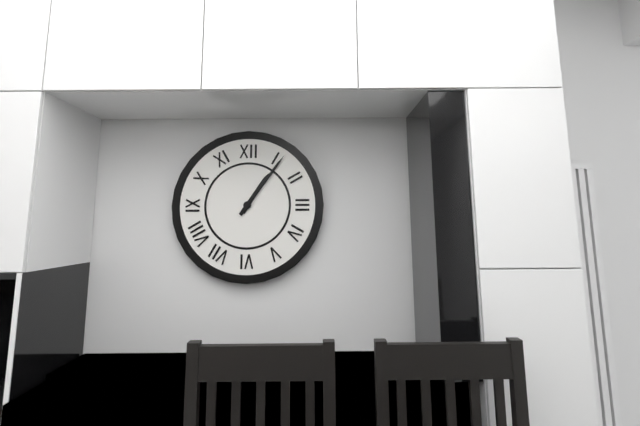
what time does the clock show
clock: 1:06
